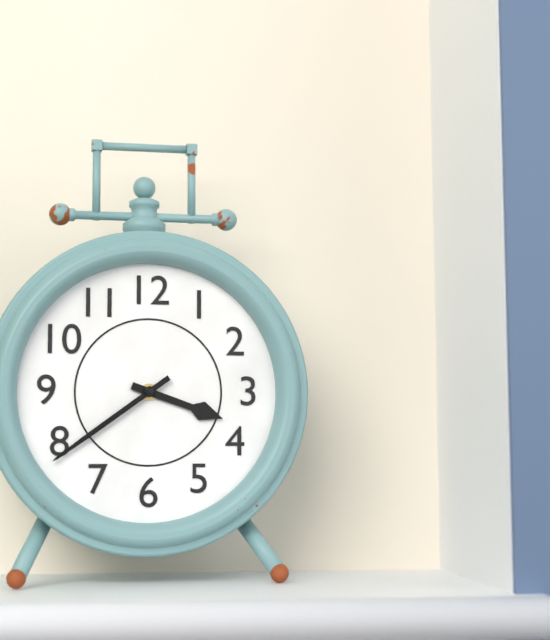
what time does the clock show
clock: 3:39
